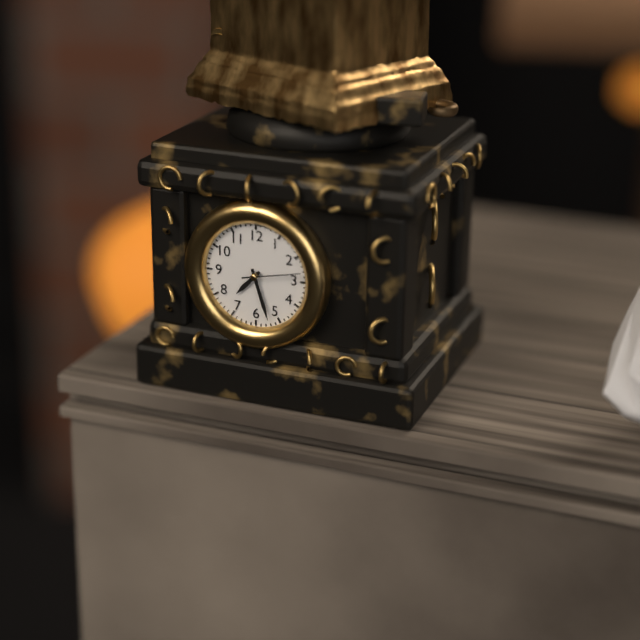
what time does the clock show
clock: 7:27
